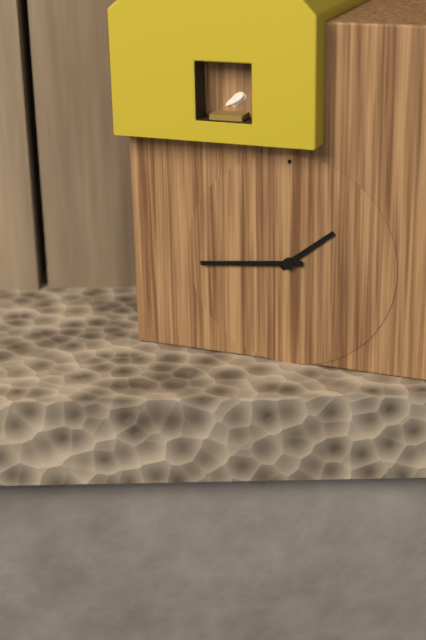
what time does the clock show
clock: 1:44
